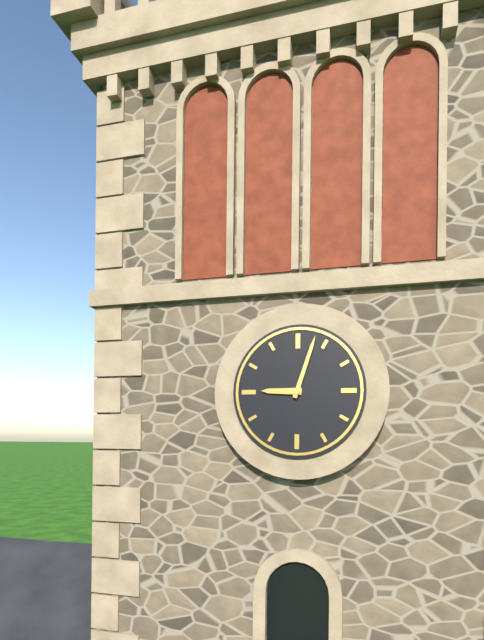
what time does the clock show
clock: 9:03
